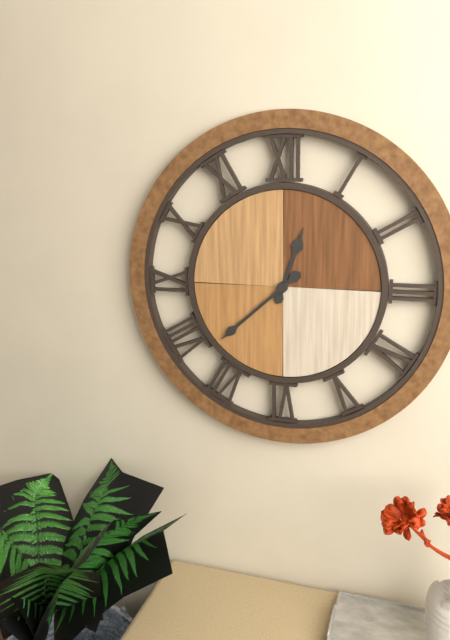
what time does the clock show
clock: 12:38
